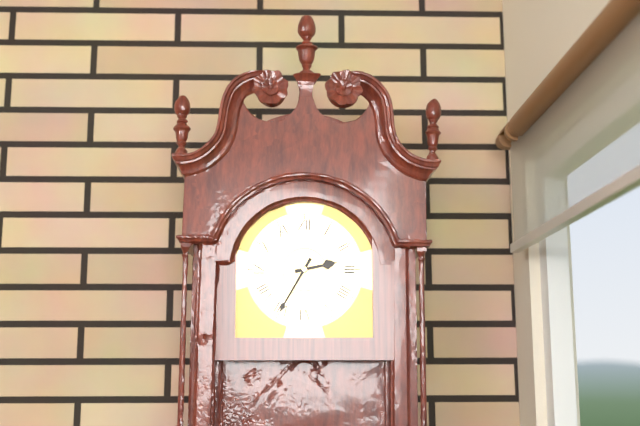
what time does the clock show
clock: 2:35
